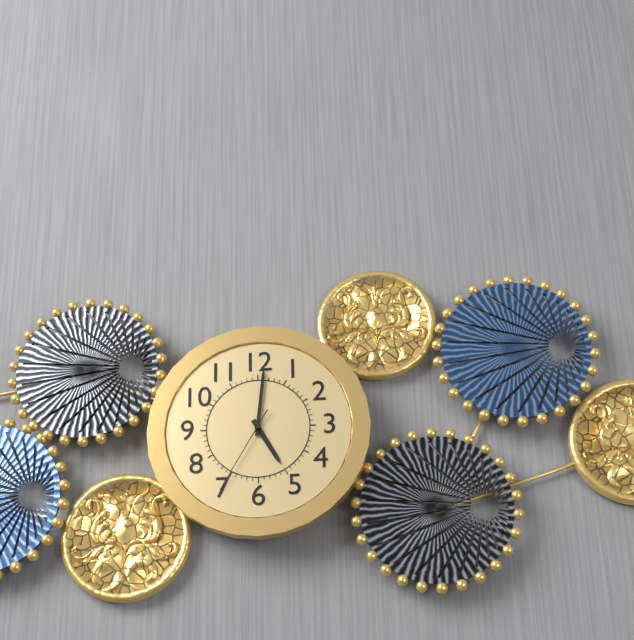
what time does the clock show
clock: 5:01:35
